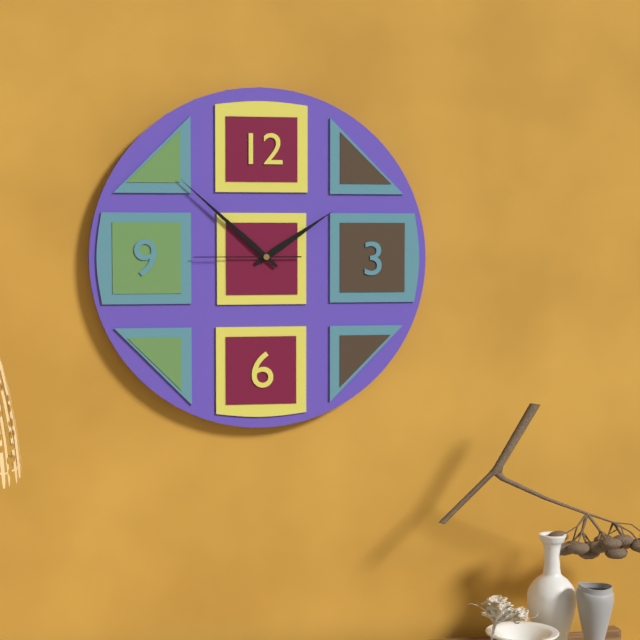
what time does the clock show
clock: 1:52:45
